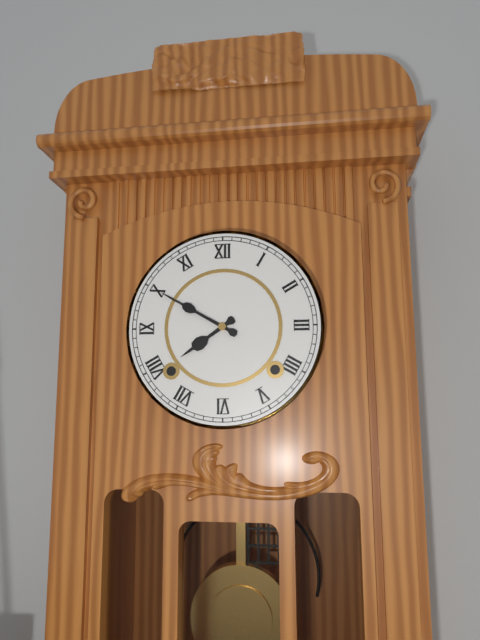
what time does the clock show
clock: 7:50
